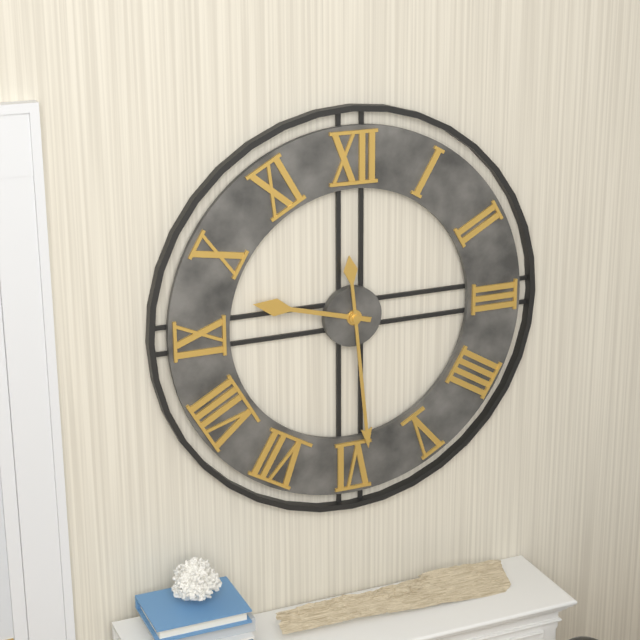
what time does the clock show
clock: 9:29
